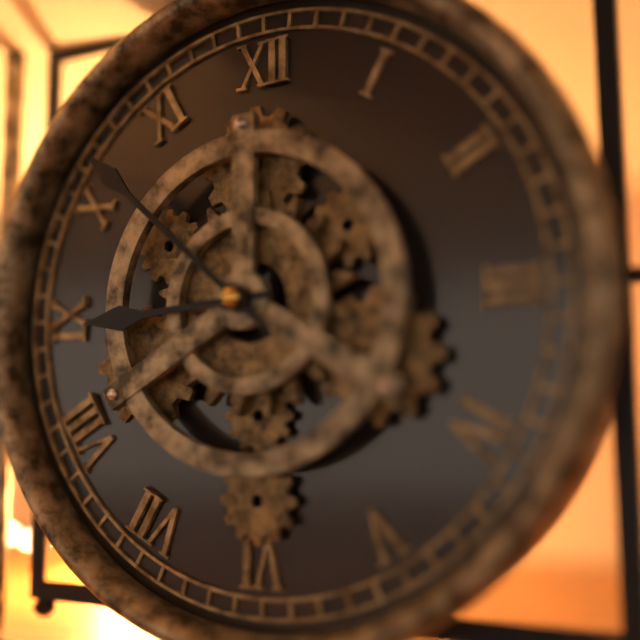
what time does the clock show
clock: 8:52
